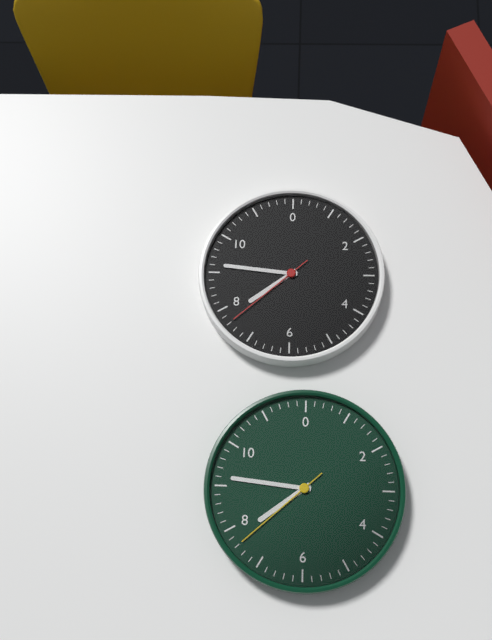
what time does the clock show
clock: 7:46:38
